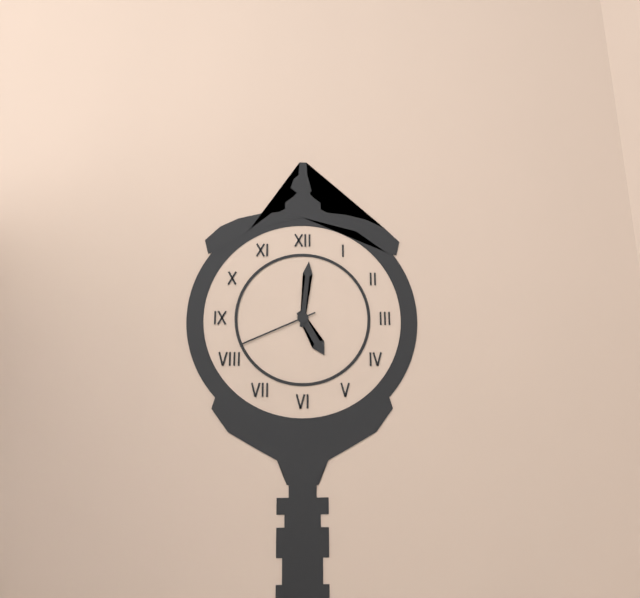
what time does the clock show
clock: 5:01:41
